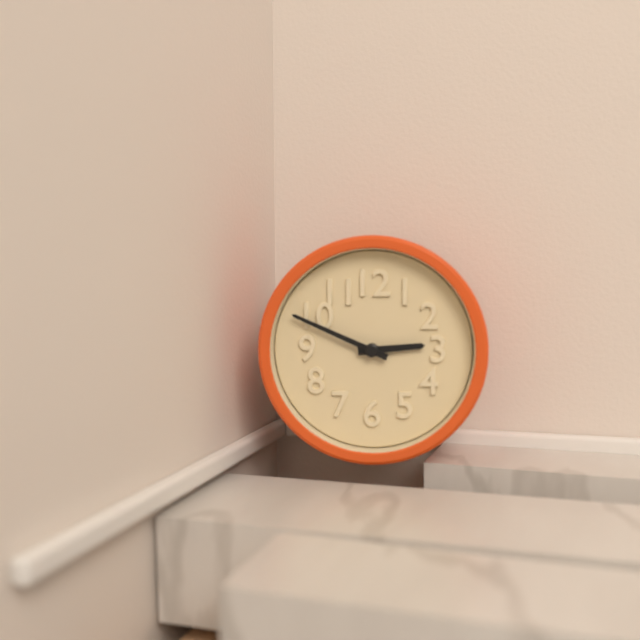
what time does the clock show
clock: 2:49
